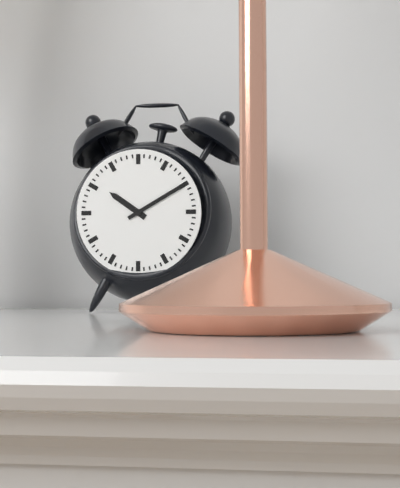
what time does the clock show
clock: 10:10
